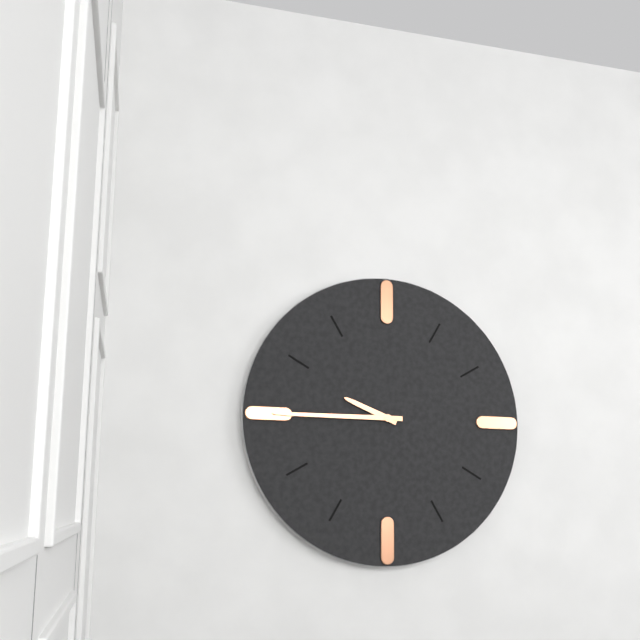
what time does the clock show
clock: 9:45
